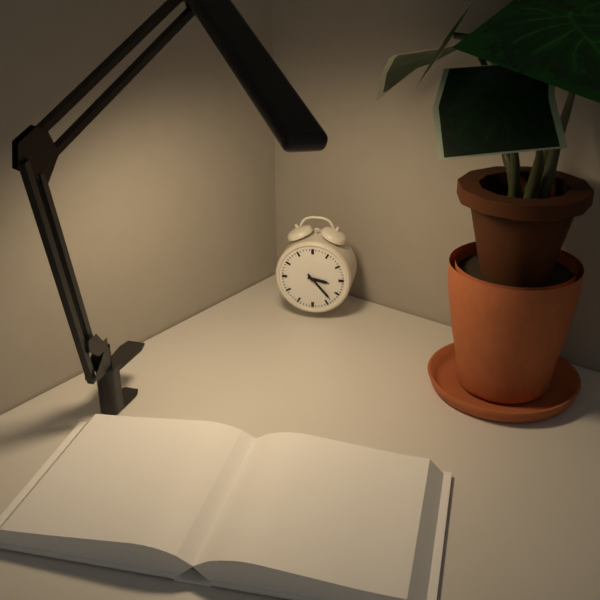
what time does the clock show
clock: 3:23
